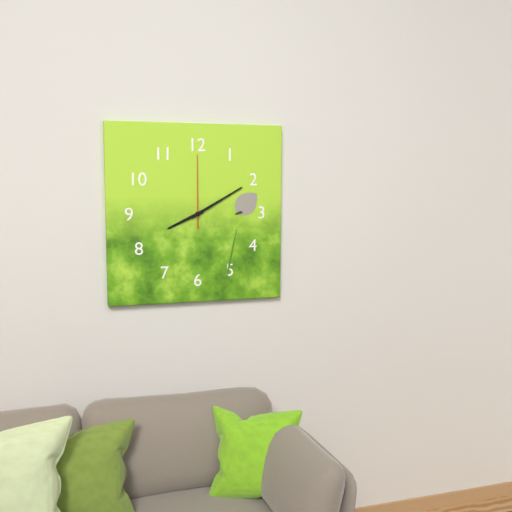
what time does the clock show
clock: 8:10:00
